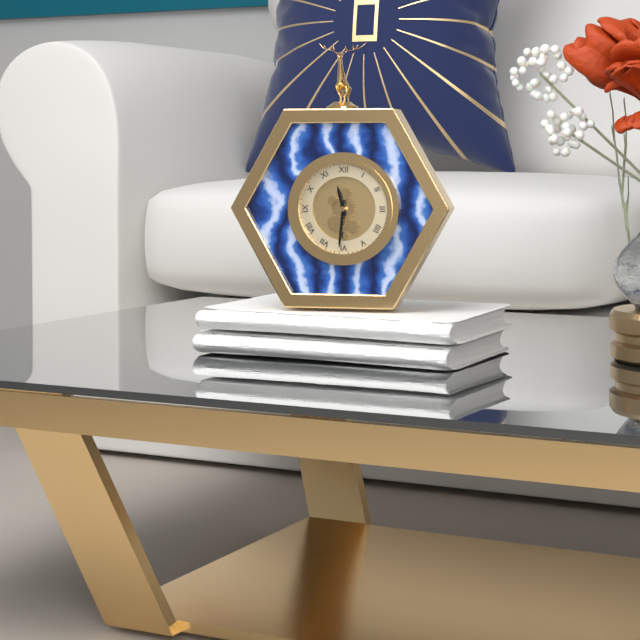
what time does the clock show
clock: 11:31
